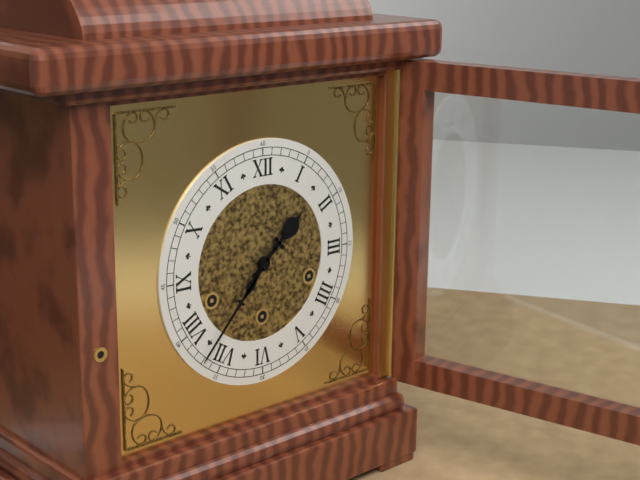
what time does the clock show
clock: 1:37
